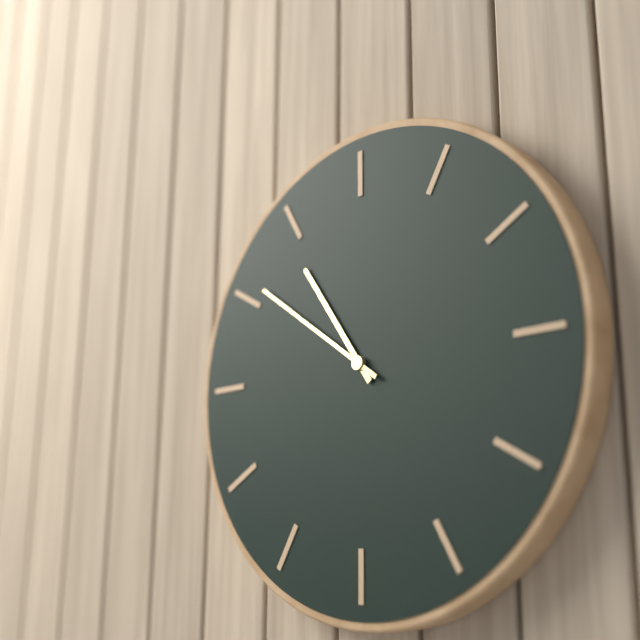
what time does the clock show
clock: 10:51
